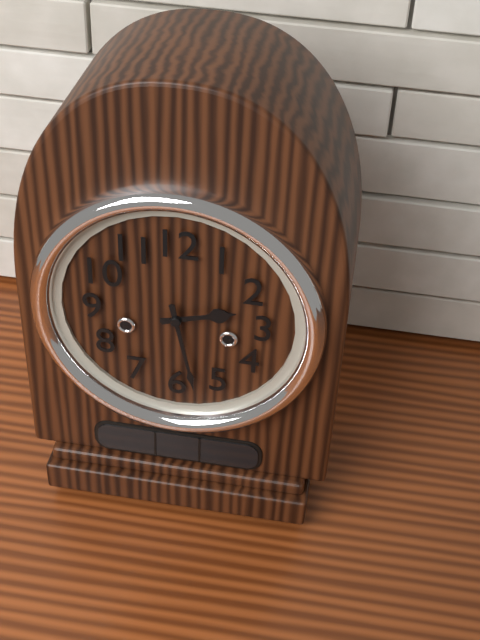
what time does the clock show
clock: 2:28
